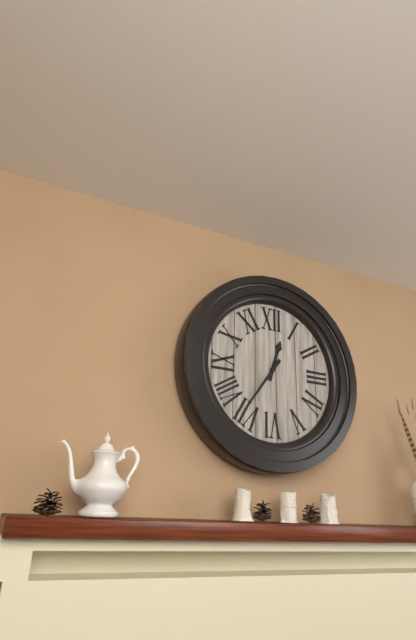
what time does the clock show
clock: 12:36
